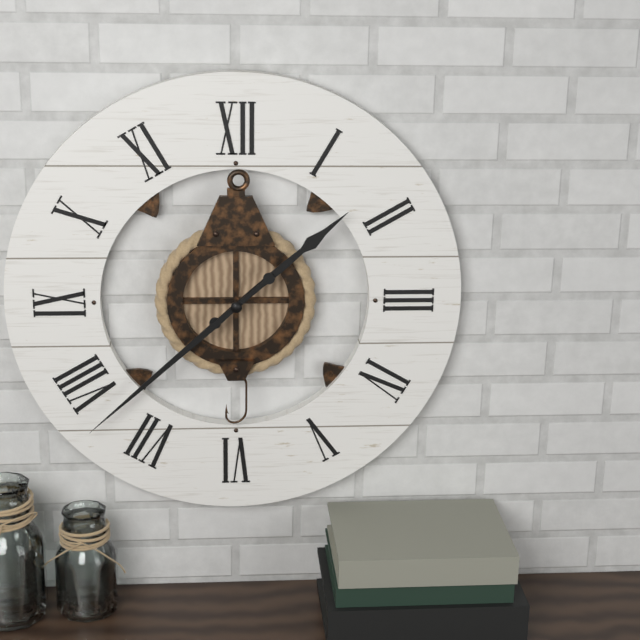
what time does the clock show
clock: 1:38
